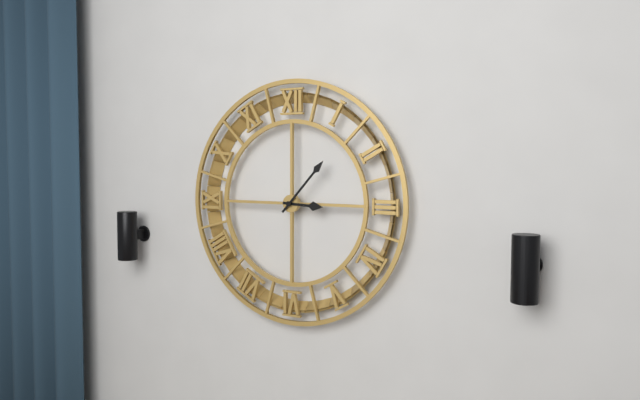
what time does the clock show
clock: 3:07
